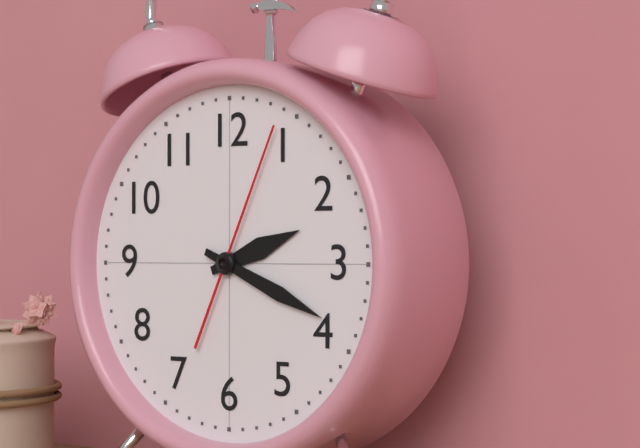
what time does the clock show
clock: 2:19:04
